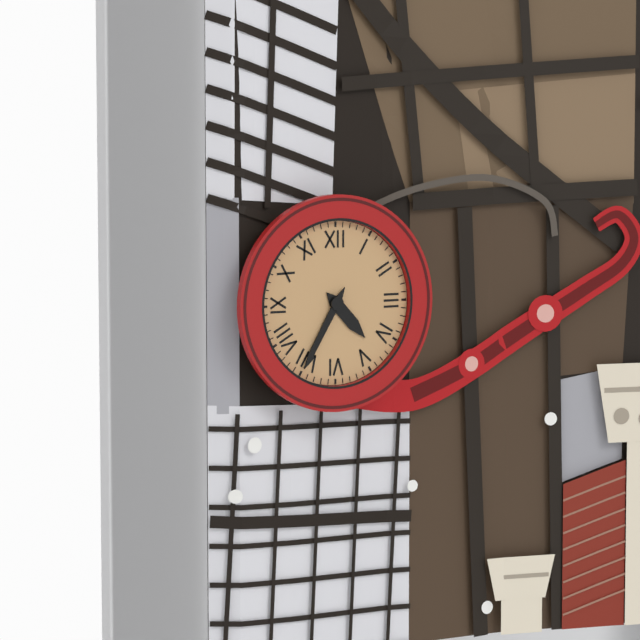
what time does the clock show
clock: 4:35
